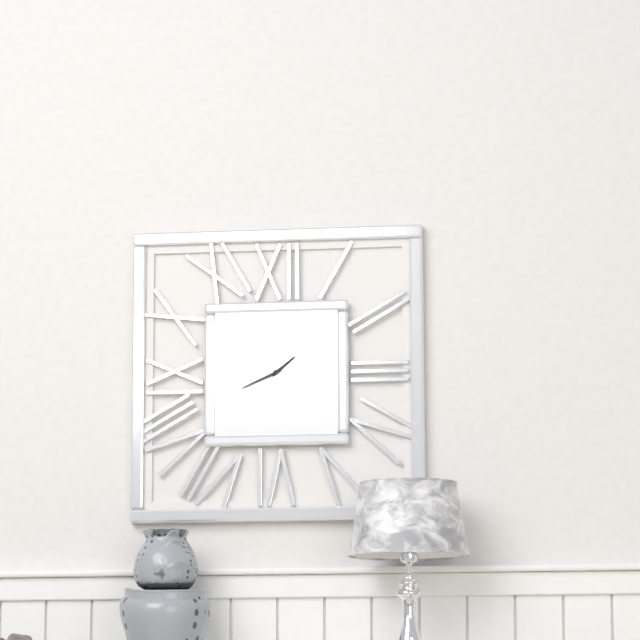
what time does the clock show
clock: 1:41
